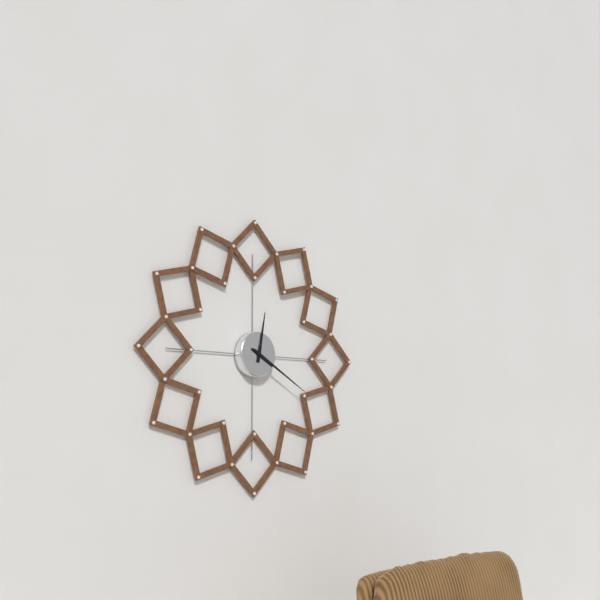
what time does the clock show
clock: 12:20
